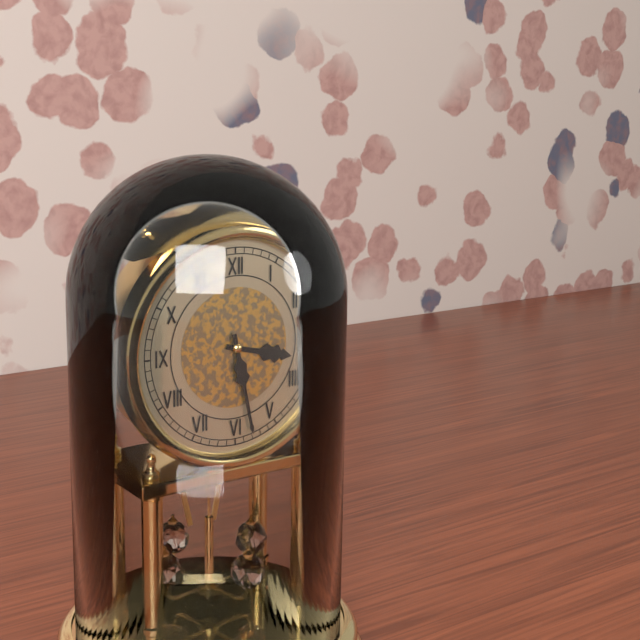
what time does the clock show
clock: 3:28
